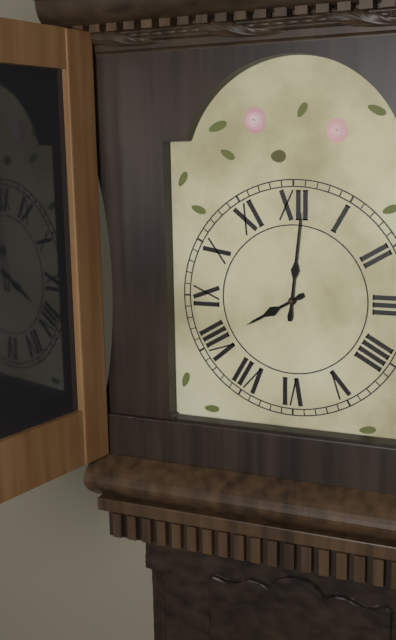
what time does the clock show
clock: 8:01
